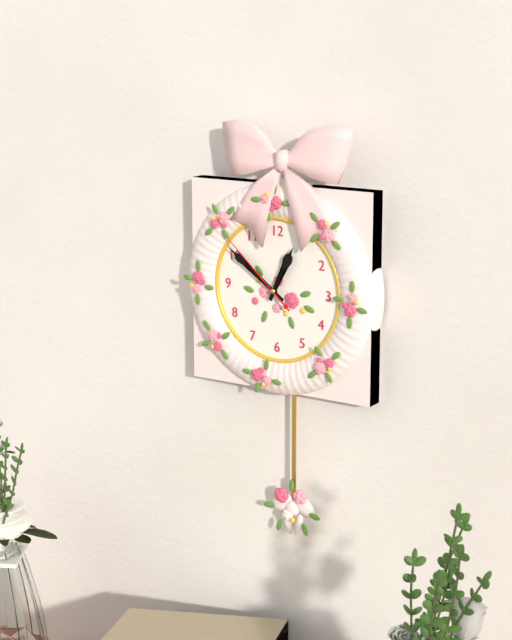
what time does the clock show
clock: 12:51:52
